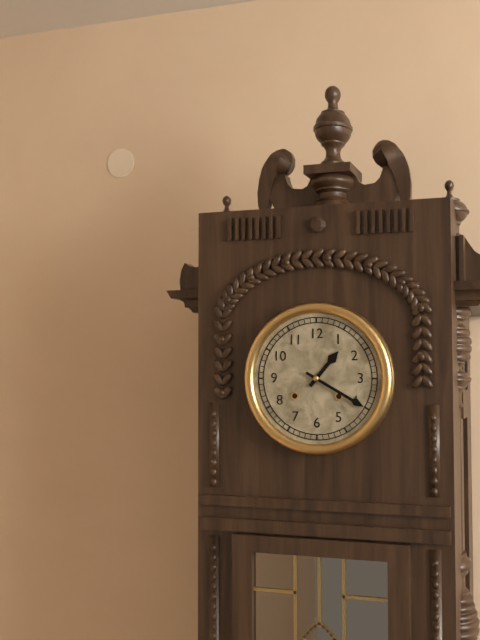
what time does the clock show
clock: 1:20
